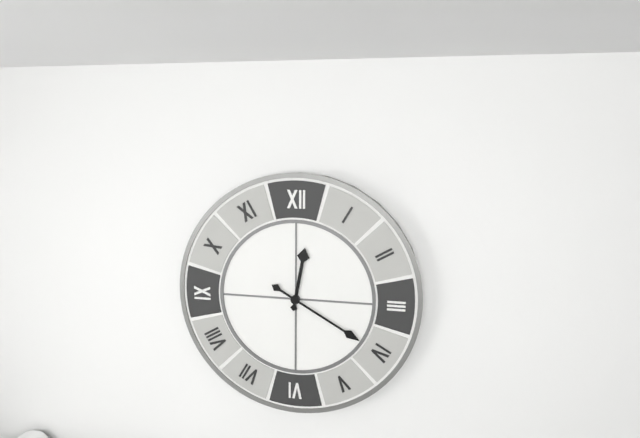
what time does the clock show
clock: 12:20
